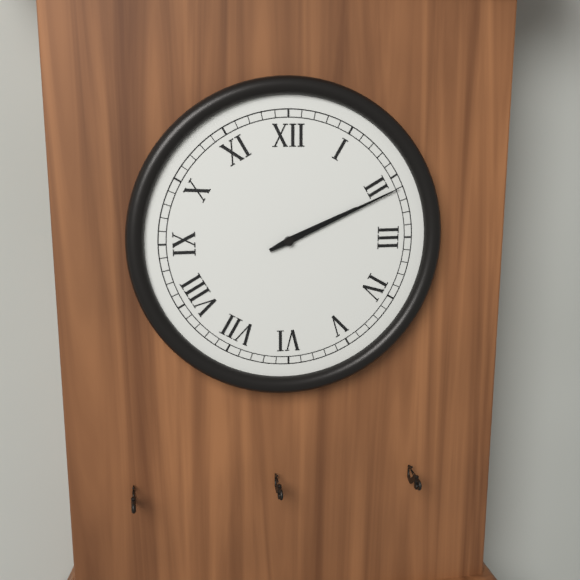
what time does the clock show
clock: 2:11
